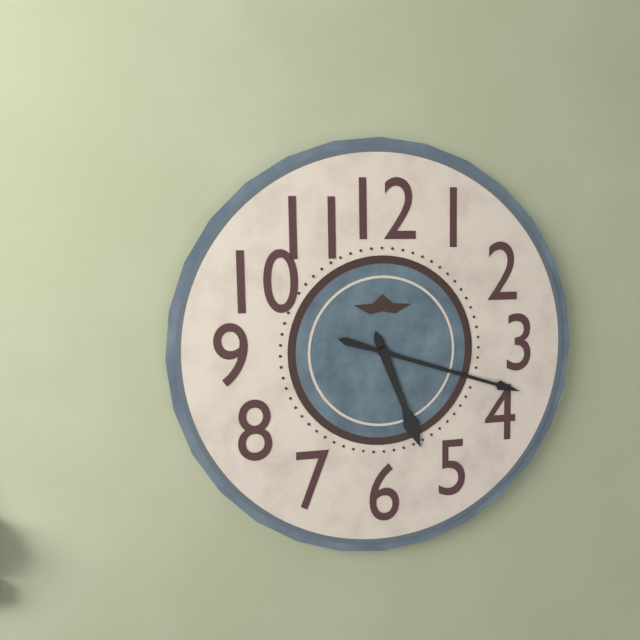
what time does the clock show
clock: 5:18
